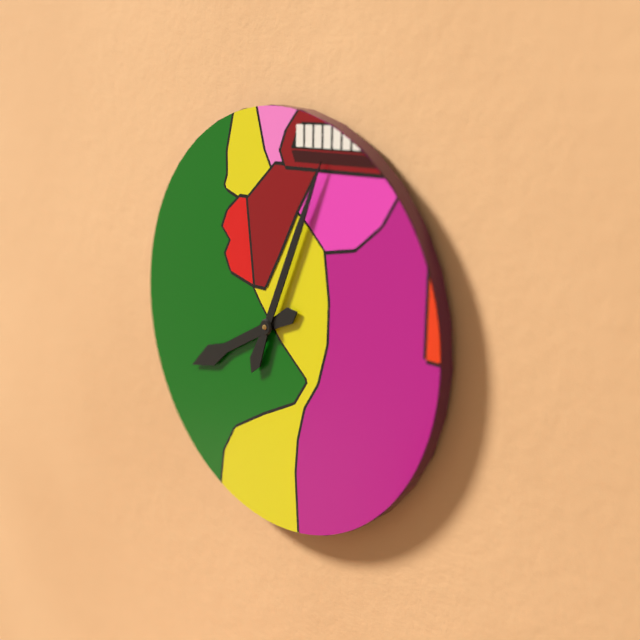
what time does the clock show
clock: 8:04
